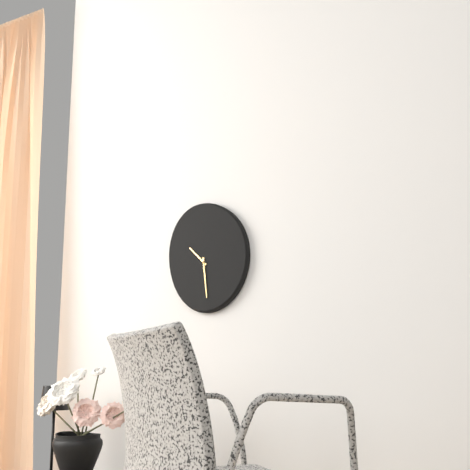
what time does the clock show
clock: 10:29
